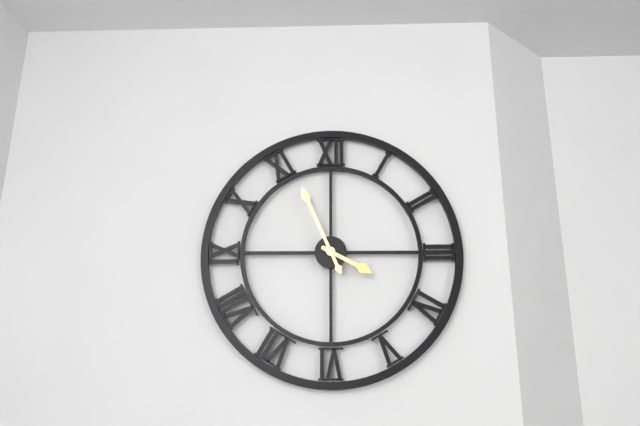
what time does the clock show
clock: 3:56
